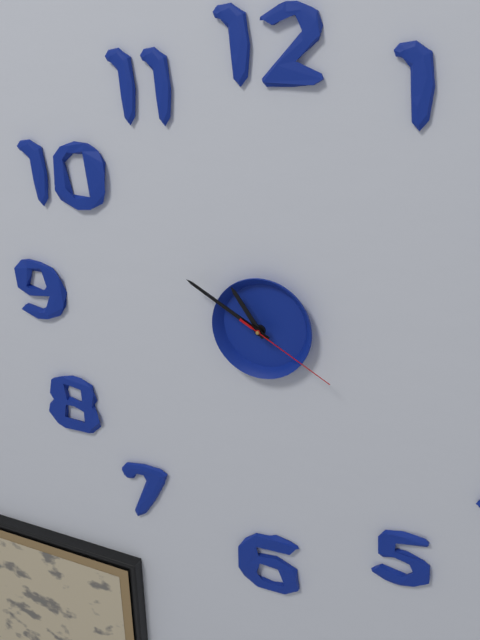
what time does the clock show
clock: 10:50:20
